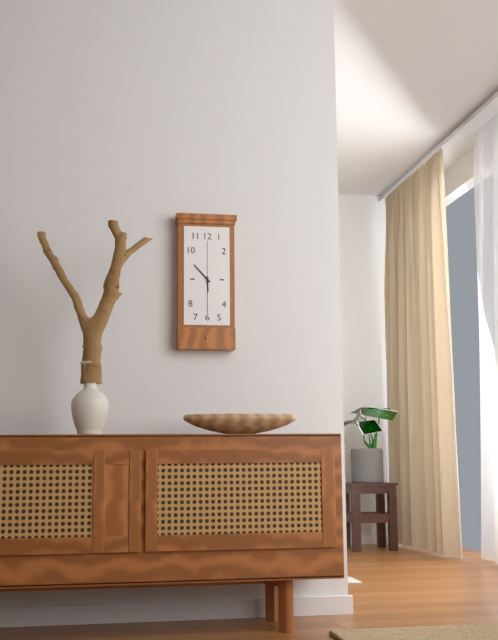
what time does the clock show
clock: 5:53
